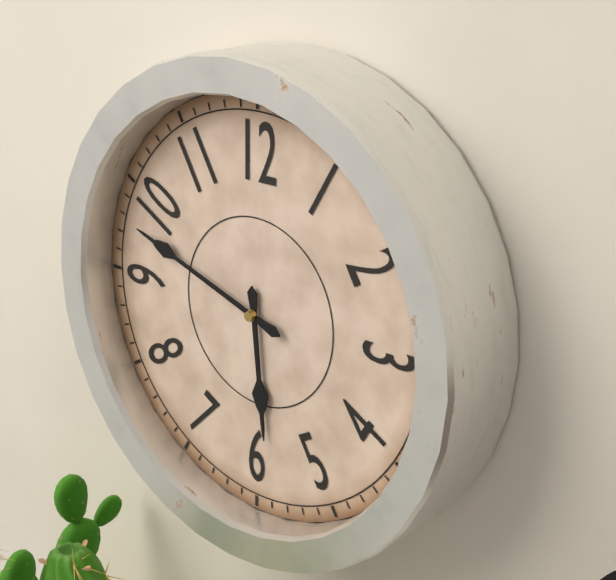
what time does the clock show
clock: 5:48
